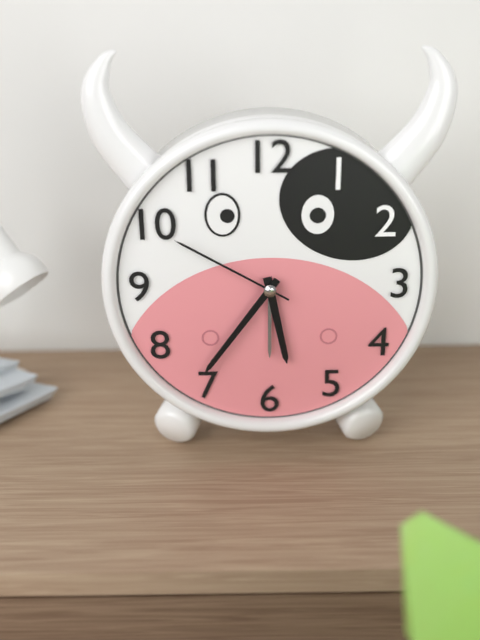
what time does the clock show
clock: 5:36:50
